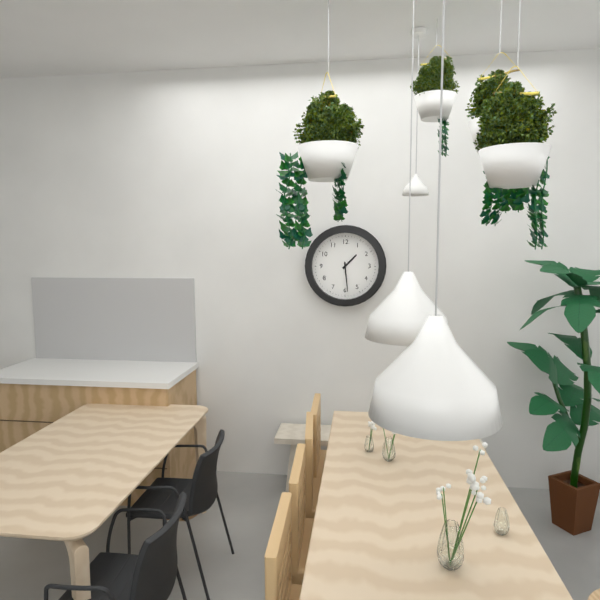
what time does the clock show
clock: 1:29
